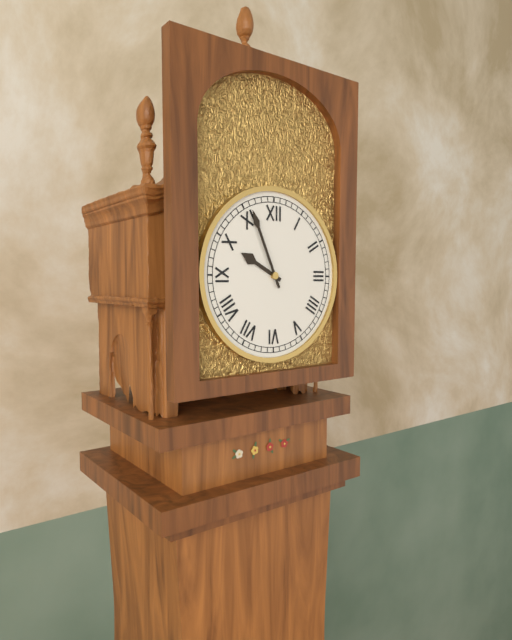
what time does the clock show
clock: 9:56
